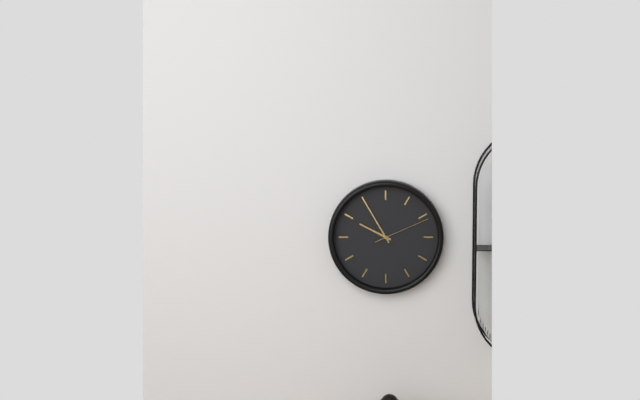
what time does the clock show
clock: 9:55:11
